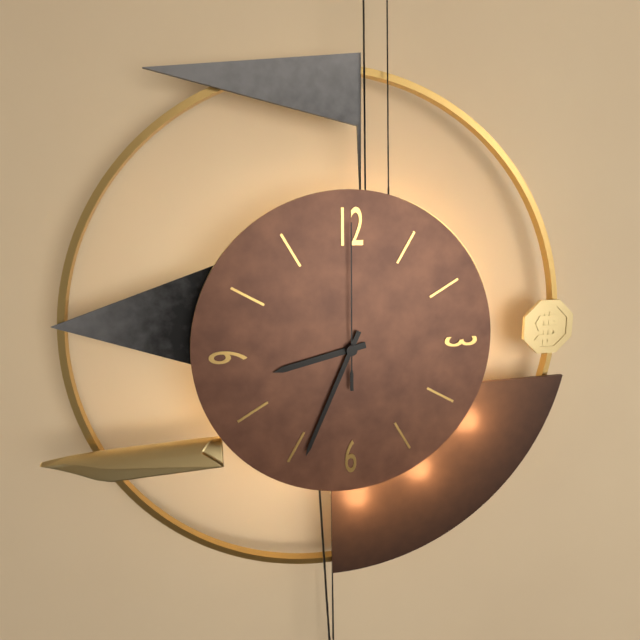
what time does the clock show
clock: 8:34:00
